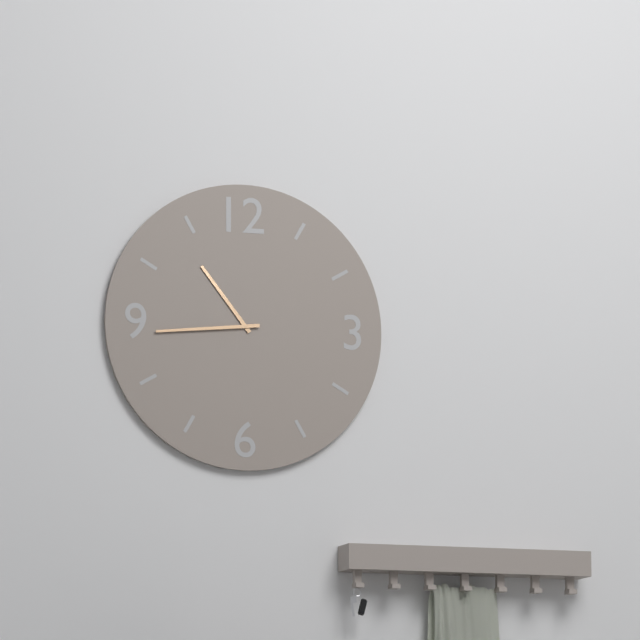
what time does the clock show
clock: 10:44
